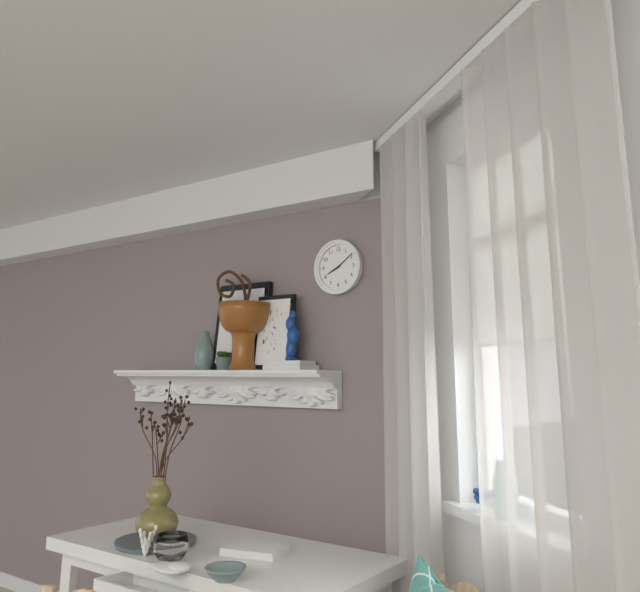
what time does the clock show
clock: 8:09
